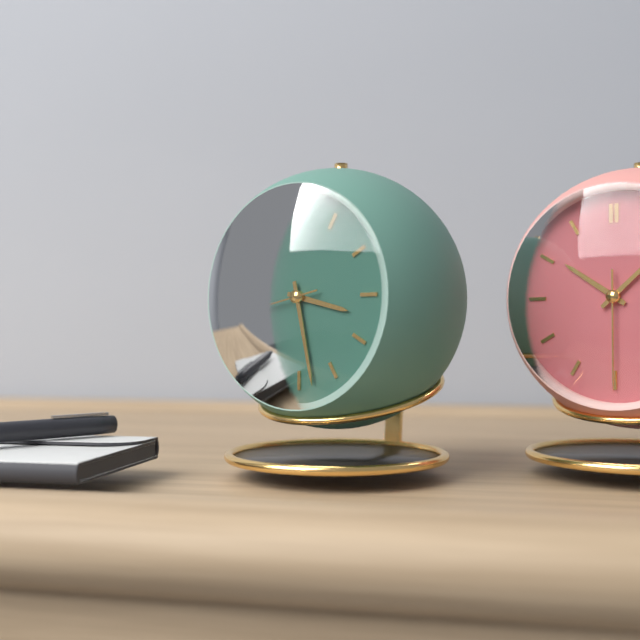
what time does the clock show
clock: 3:28:43
